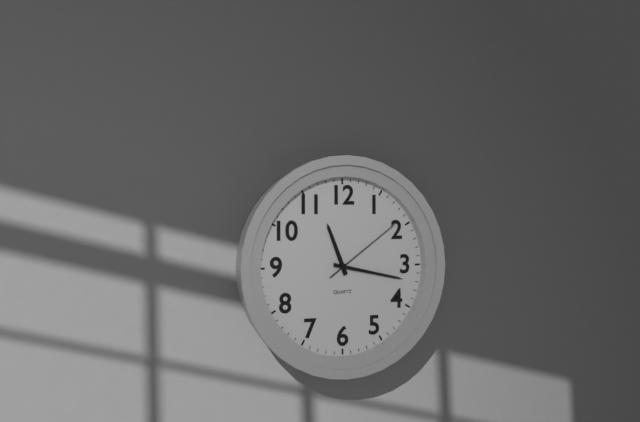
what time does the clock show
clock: 11:17:09
